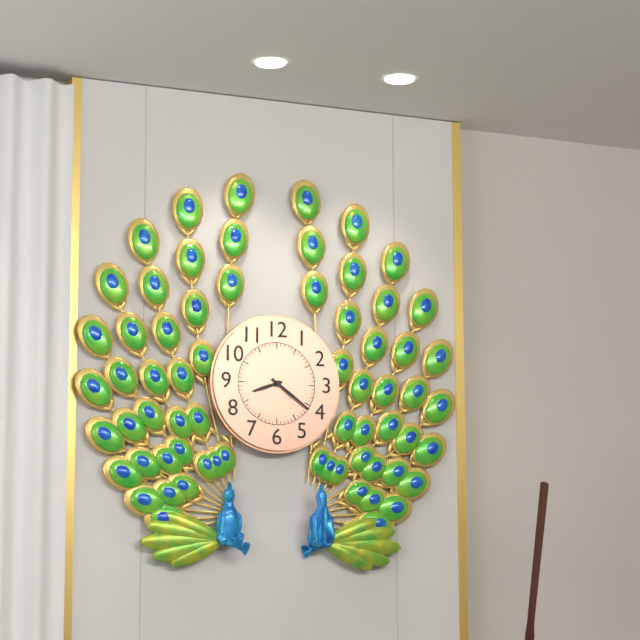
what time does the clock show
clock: 8:21
